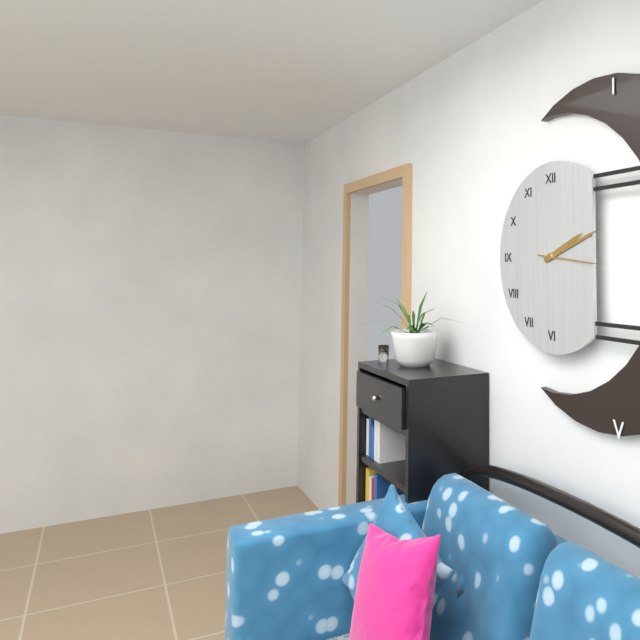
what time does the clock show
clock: 2:12:16
